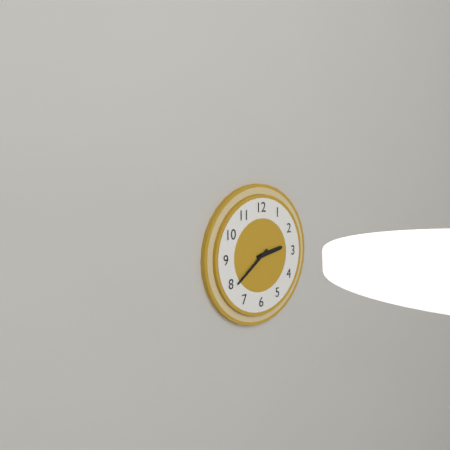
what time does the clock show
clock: 2:39
